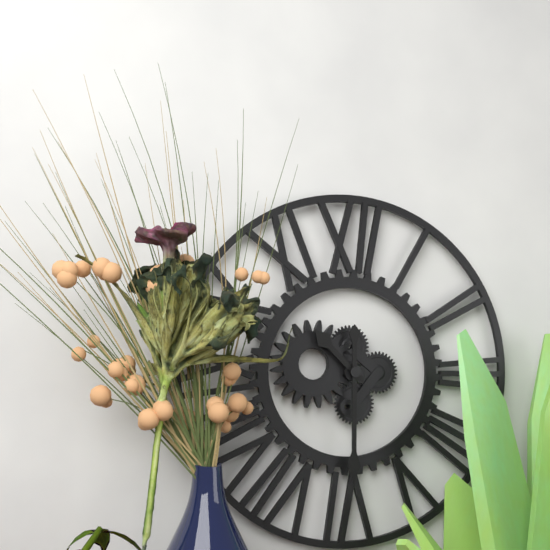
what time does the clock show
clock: 10:30
